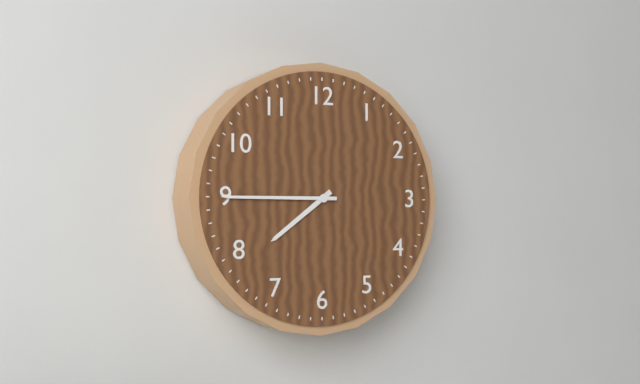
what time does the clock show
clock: 7:45
